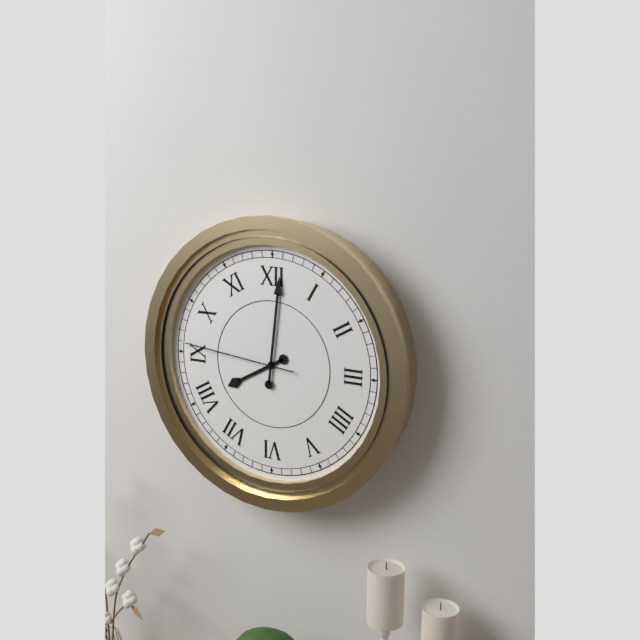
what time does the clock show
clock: 8:01:46
